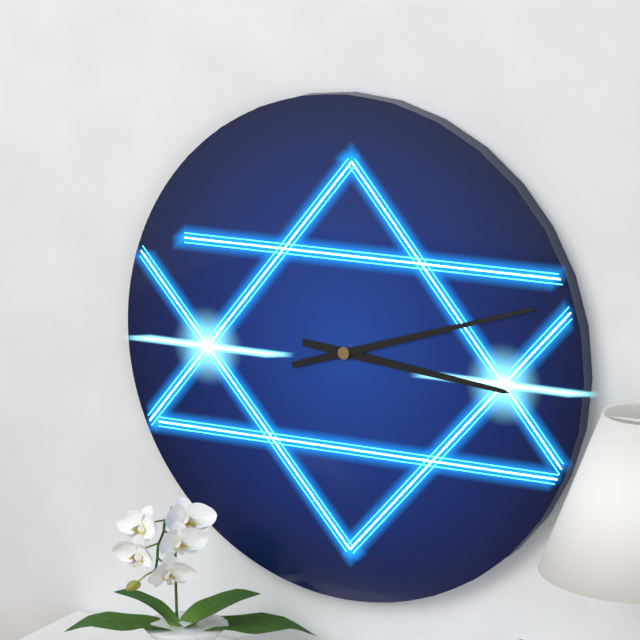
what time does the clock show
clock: 3:12
